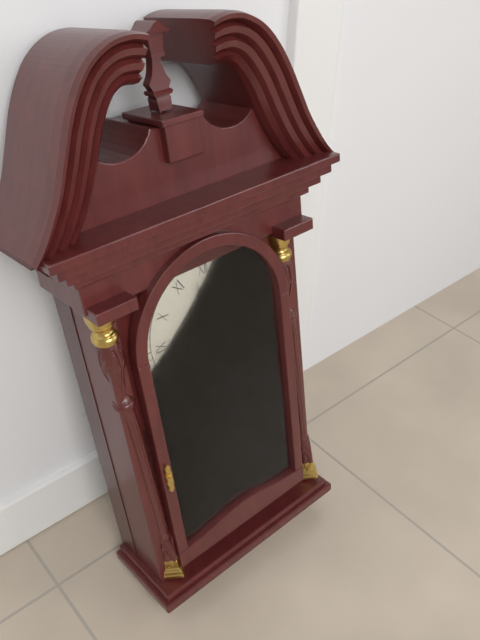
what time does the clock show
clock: 4:58:40
